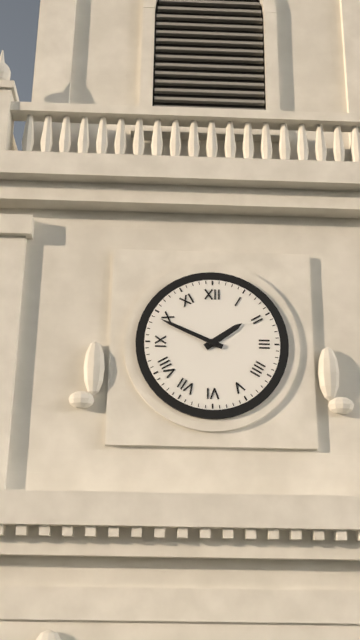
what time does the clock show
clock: 1:49
